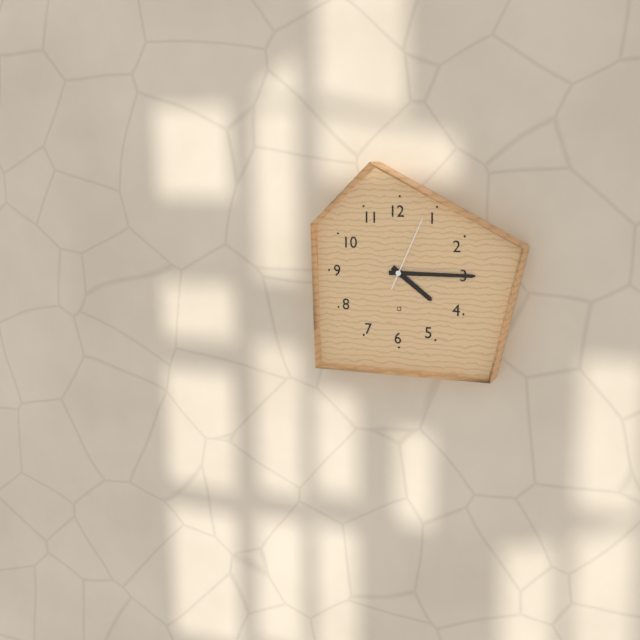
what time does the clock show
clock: 4:15:04
